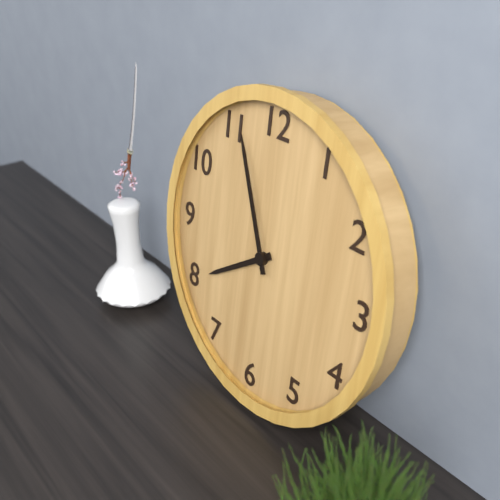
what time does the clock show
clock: 7:56
